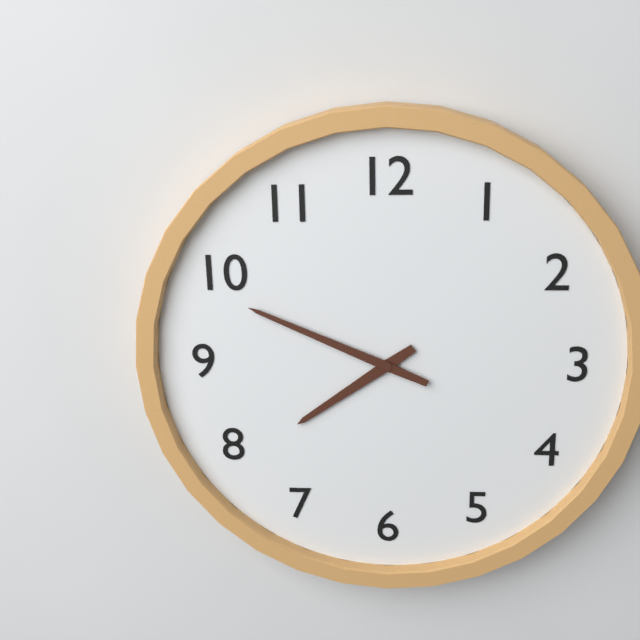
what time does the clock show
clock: 7:49
